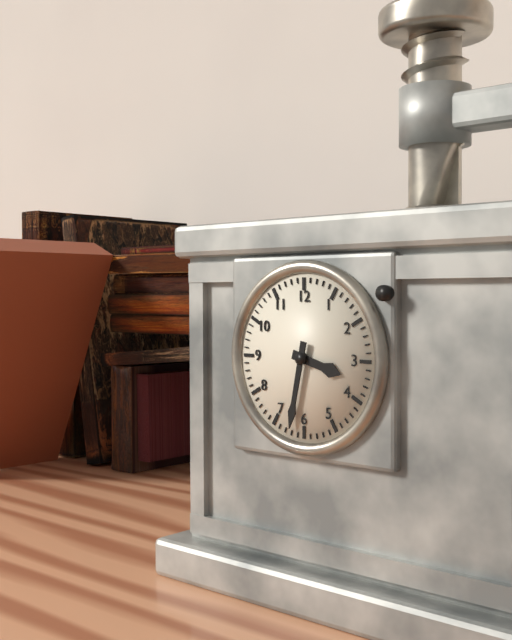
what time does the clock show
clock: 3:32
